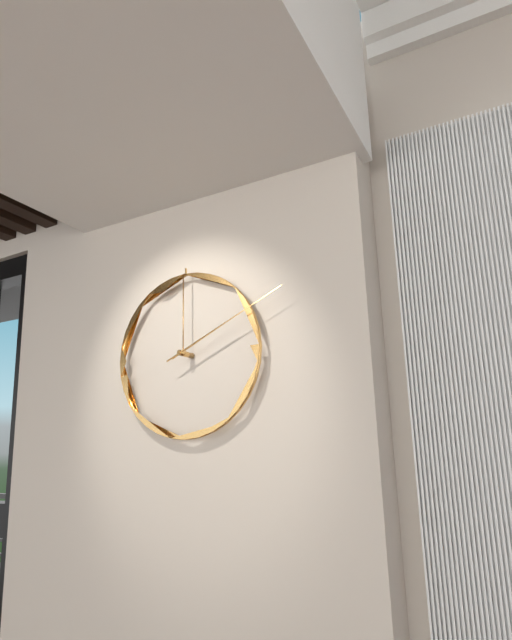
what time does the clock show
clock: 2:11
